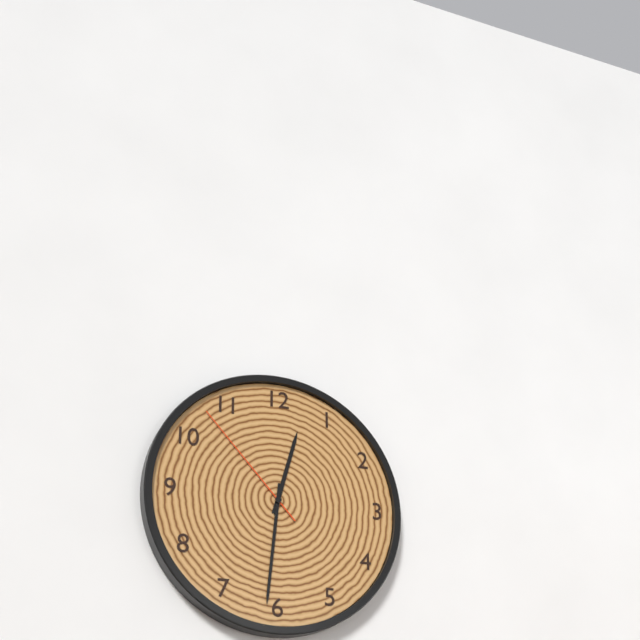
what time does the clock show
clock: 12:31:53
